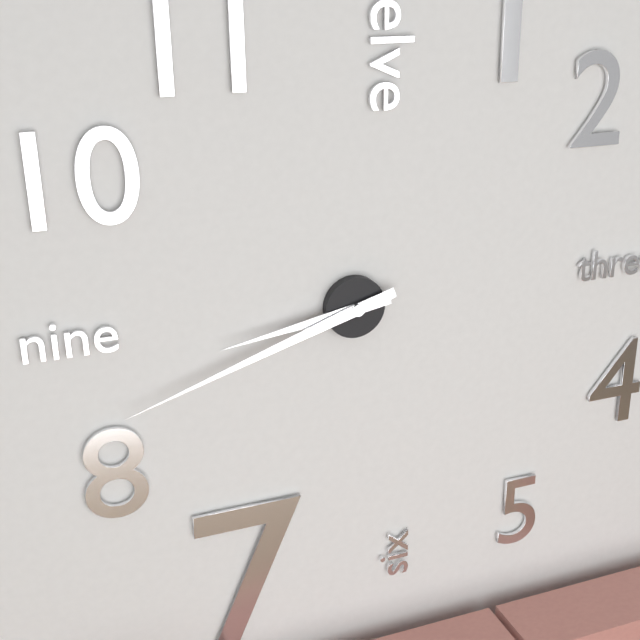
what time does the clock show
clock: 8:42
